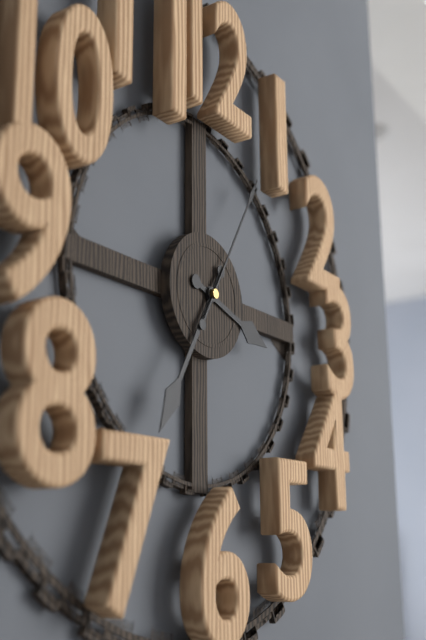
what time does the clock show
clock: 3:35:05
